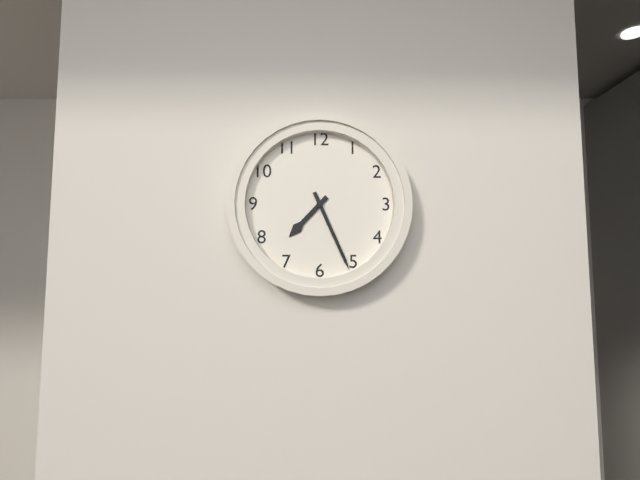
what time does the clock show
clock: 7:26
